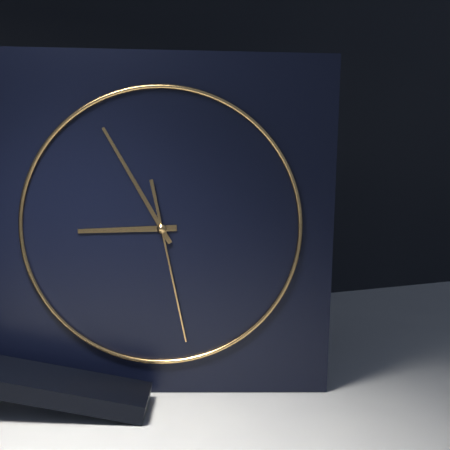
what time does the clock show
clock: 8:55:28
